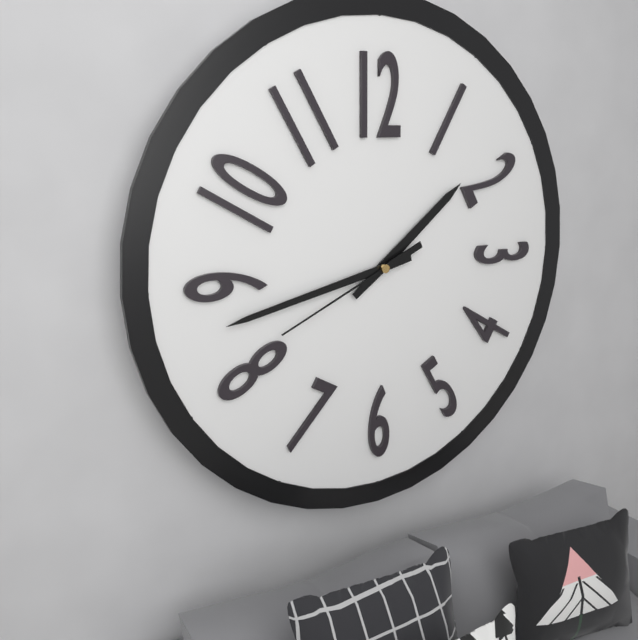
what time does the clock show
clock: 1:43:41
